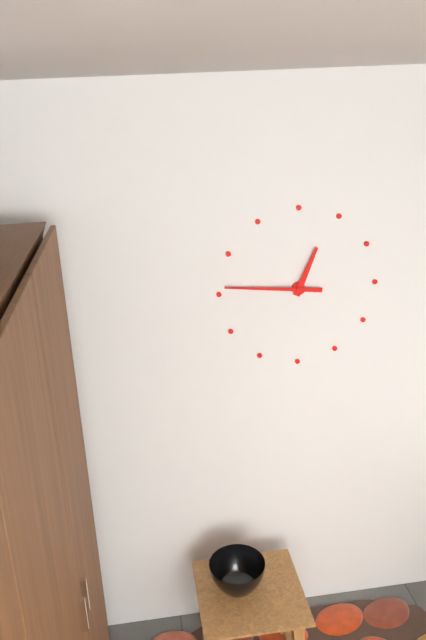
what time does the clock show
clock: 12:46
